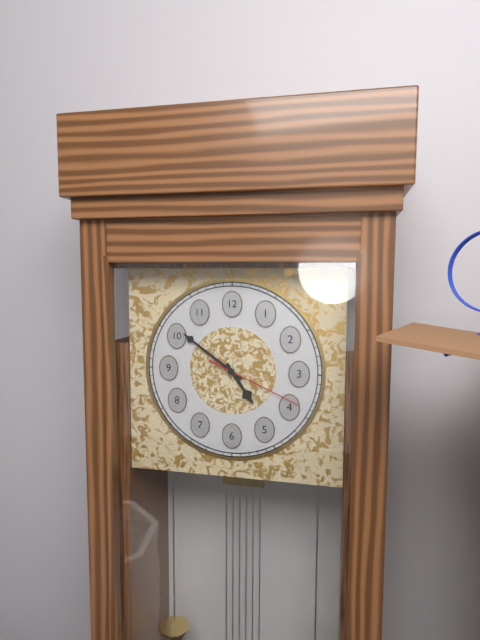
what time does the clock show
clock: 4:51:19
